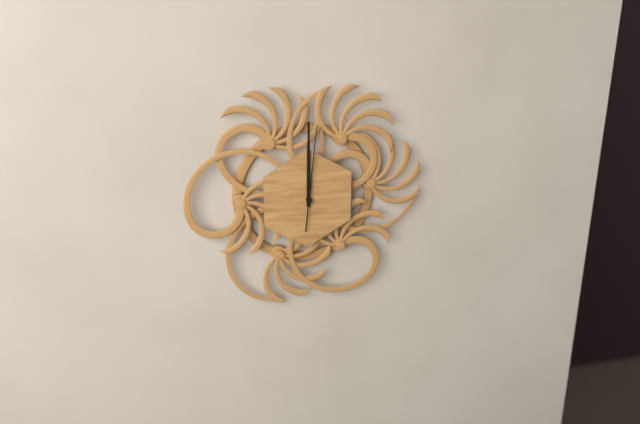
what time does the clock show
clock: 12:00:01
